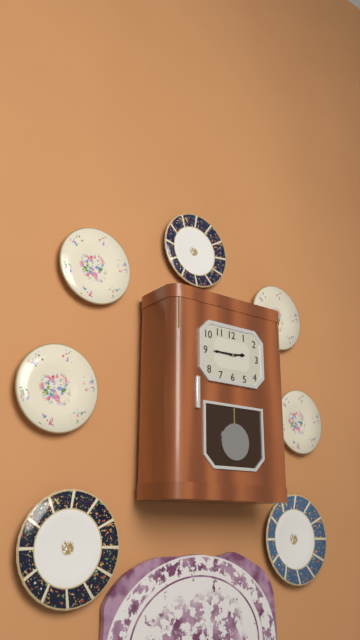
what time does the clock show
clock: 2:45
